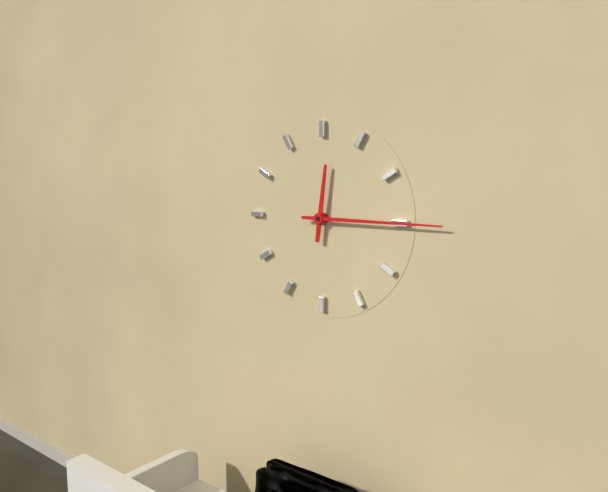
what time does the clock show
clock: 12:15
